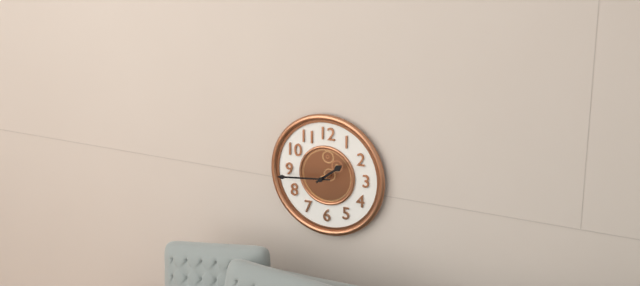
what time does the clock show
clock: 1:44
